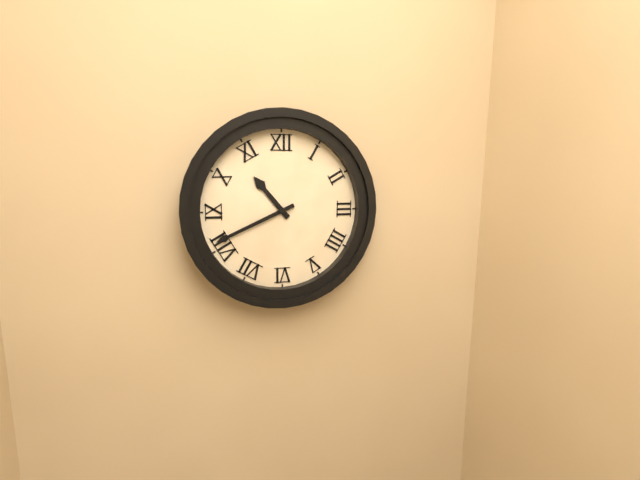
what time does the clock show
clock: 10:41
